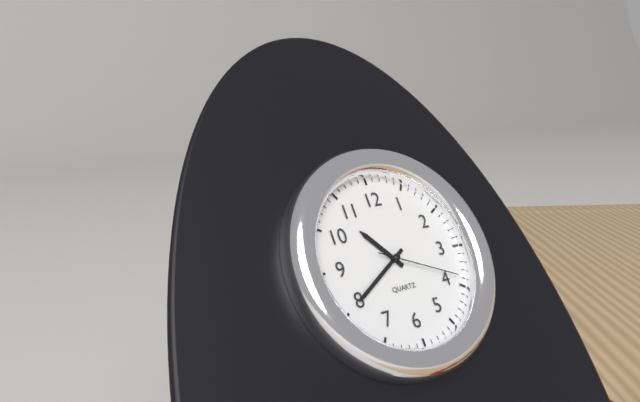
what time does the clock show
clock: 10:40:19
